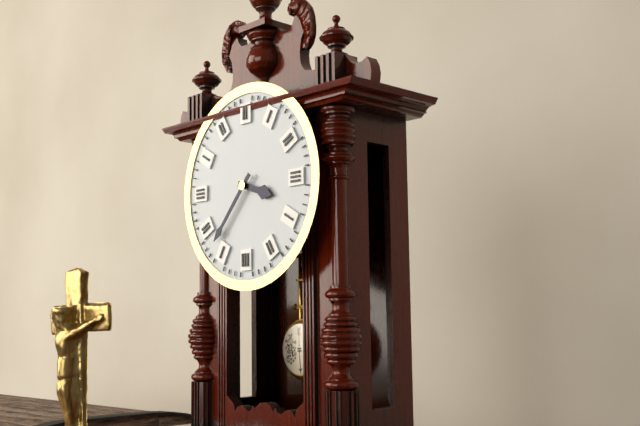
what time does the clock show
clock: 3:37
